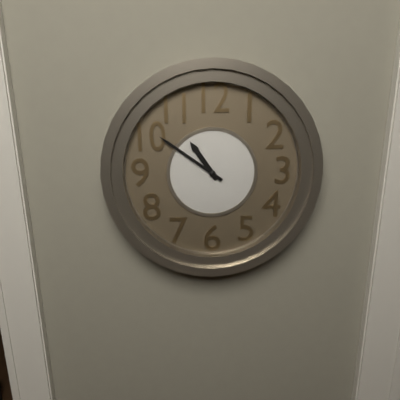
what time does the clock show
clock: 10:51
